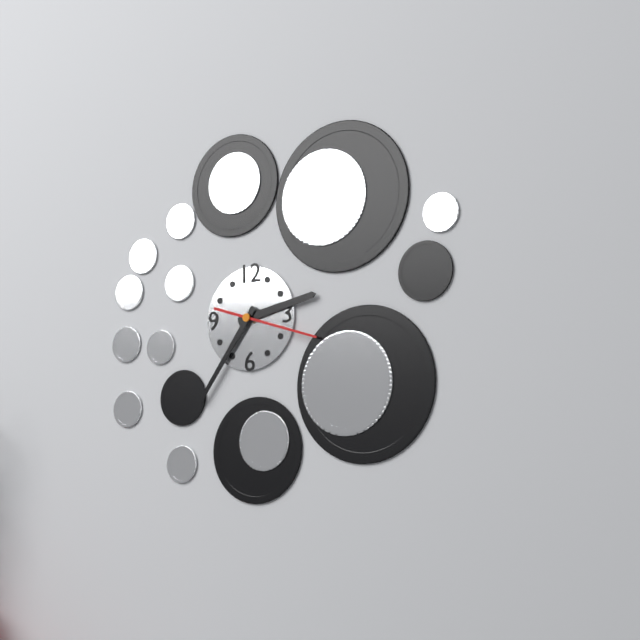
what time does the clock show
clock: 2:36:18
